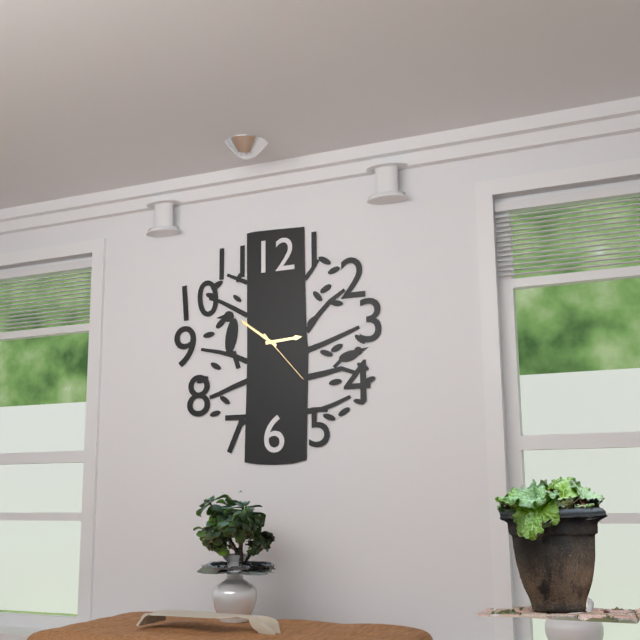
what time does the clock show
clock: 2:51:23
